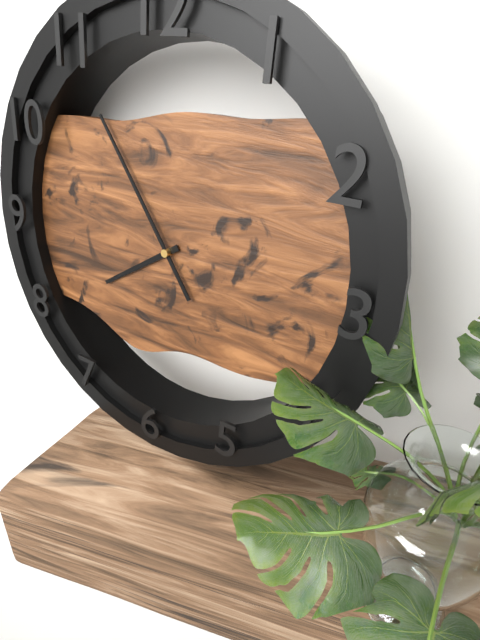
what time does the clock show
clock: 7:54
